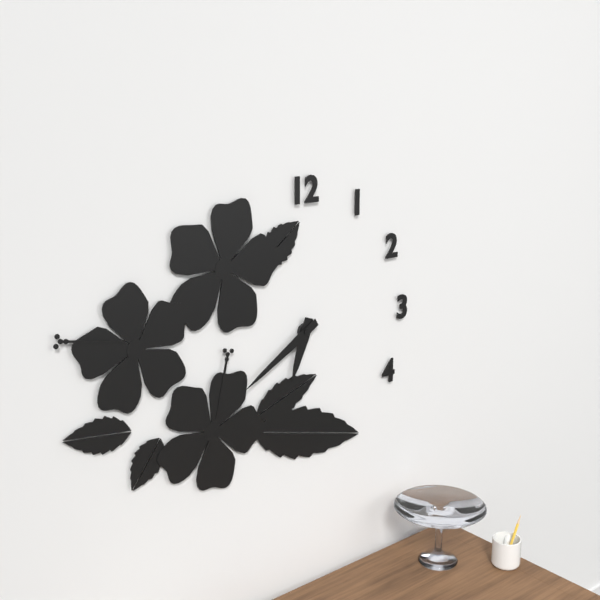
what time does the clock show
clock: 6:40
